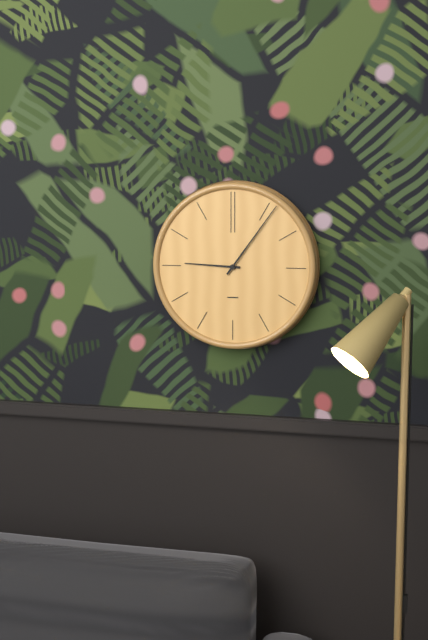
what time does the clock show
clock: 9:06
